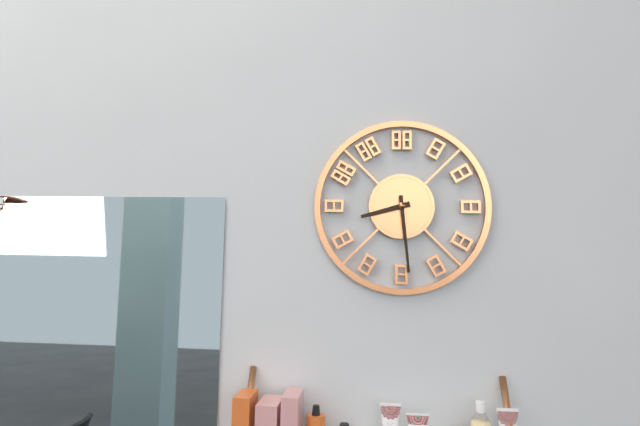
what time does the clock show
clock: 8:29
